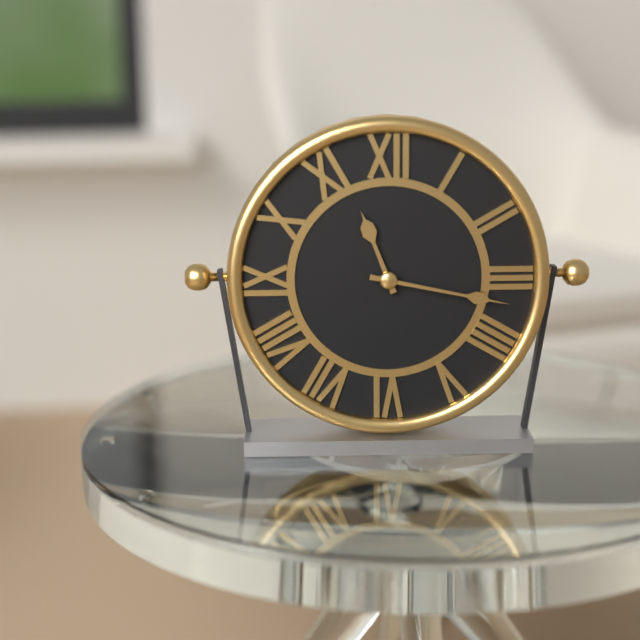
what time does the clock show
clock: 11:17
